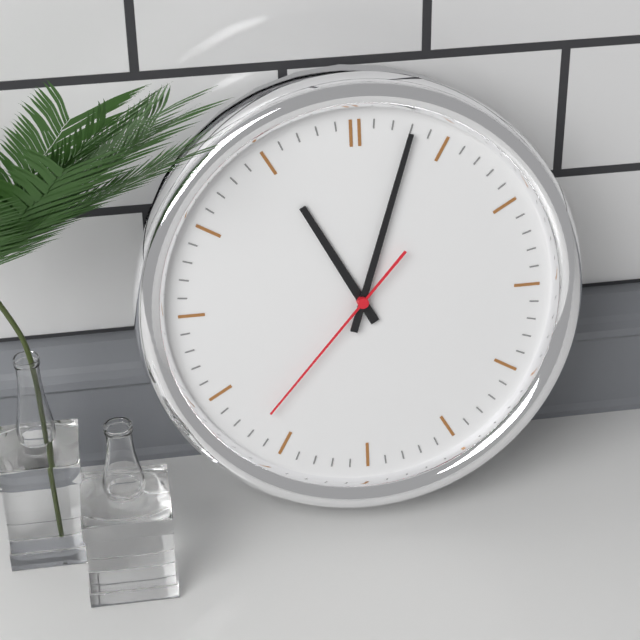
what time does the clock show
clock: 11:03:37
